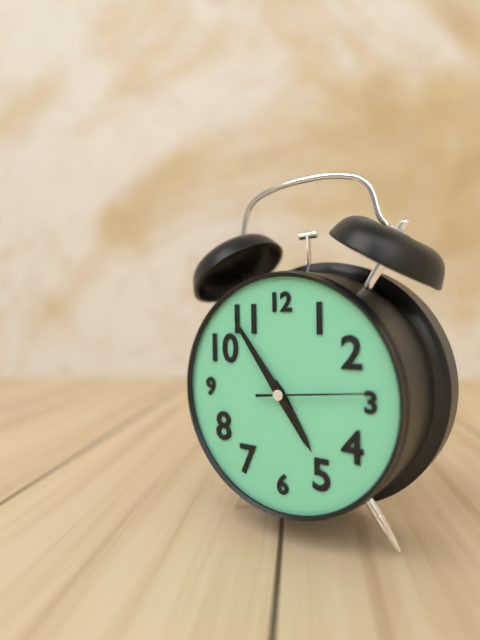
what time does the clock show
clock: 4:54:14
